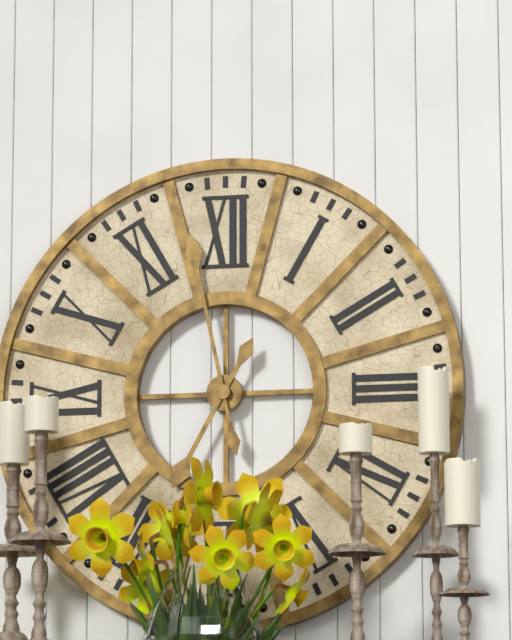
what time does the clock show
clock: 6:58
